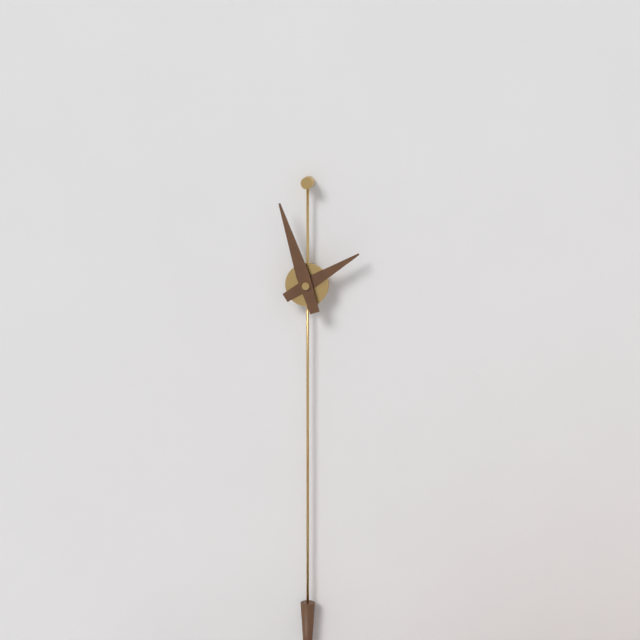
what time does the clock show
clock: 1:57
